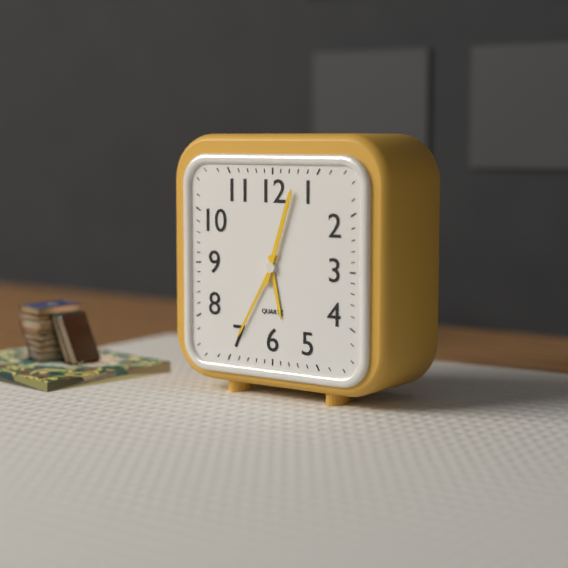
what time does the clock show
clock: 5:35:03
